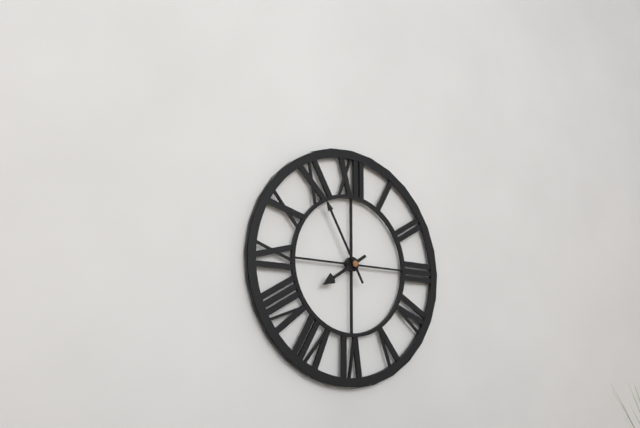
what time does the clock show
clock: 7:55
